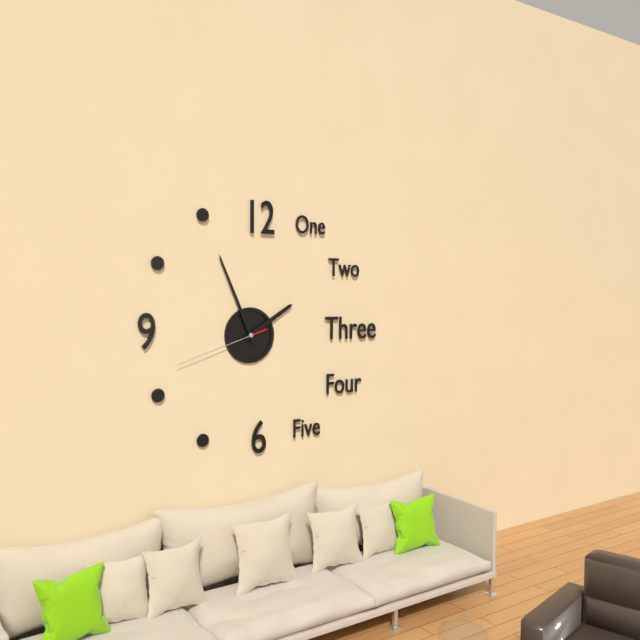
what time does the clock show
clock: 1:56:42
